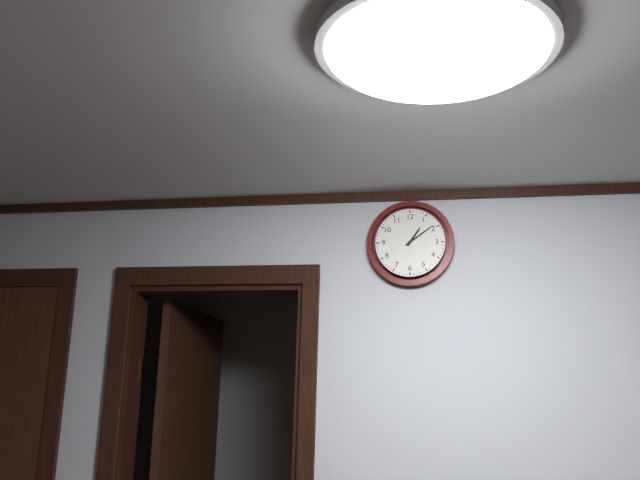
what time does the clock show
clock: 1:09
